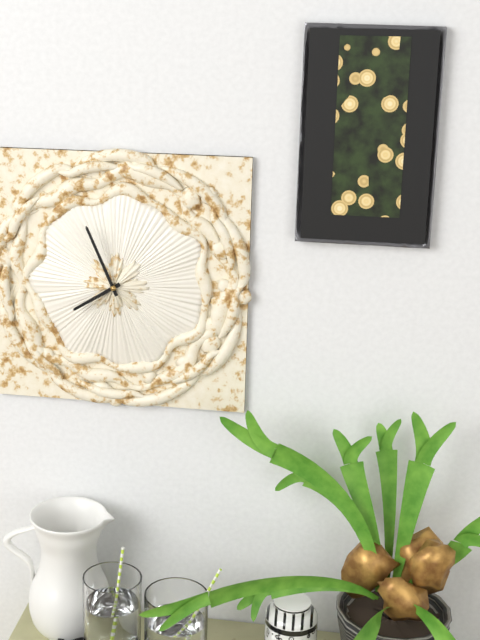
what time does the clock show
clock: 7:56
